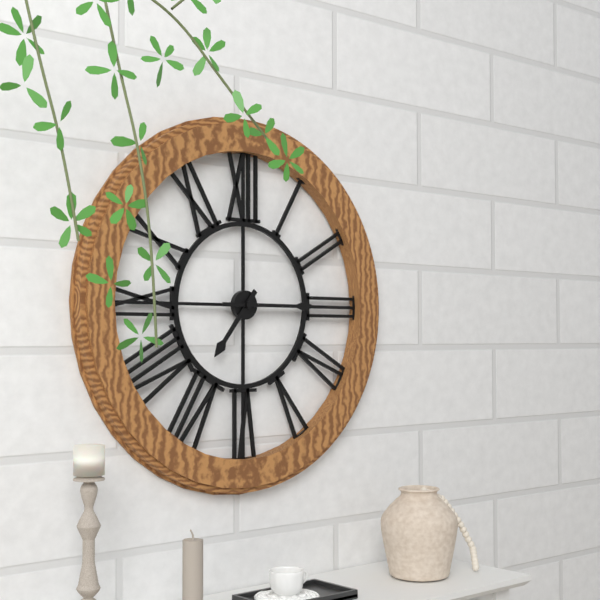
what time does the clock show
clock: 7:15
